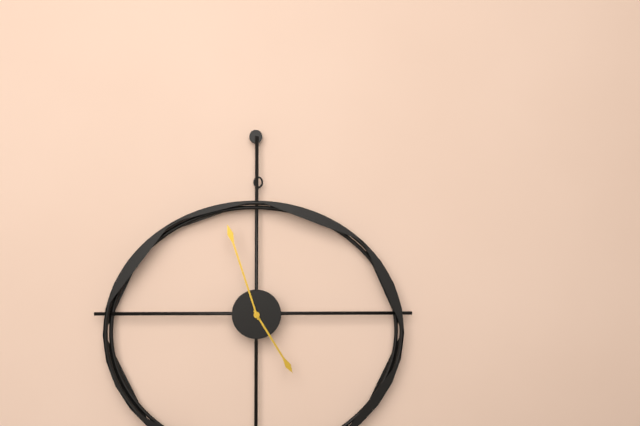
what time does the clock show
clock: 4:57
